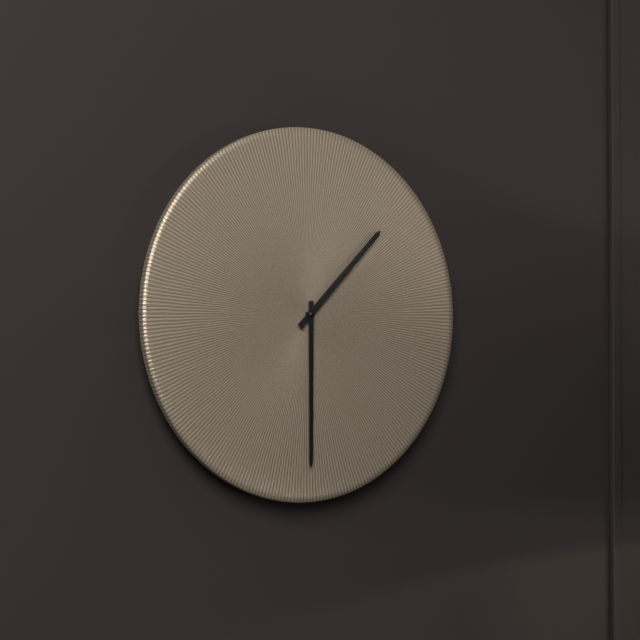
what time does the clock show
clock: 1:30
